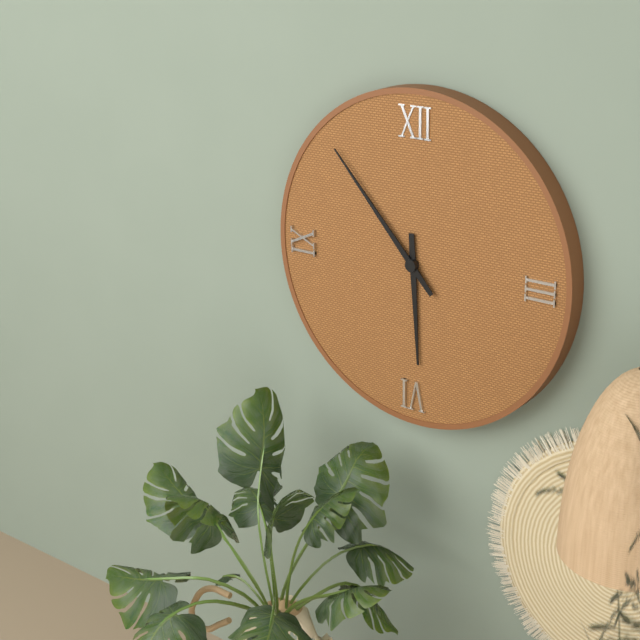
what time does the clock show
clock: 5:53
